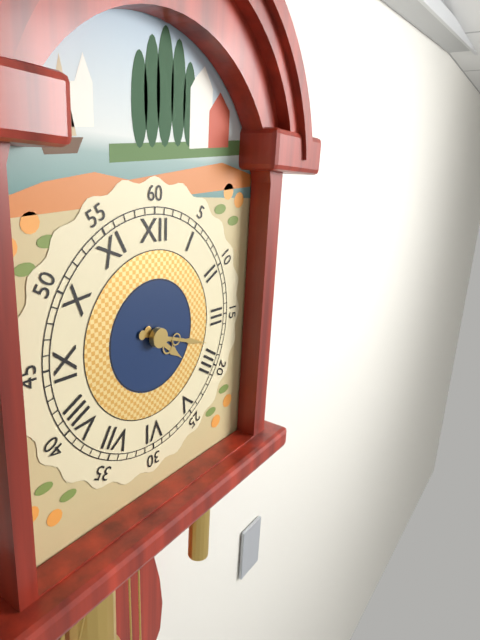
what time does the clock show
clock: 4:18
